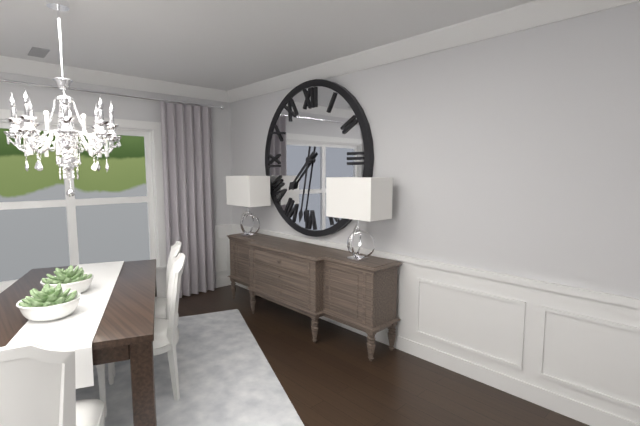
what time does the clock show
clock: 7:32
